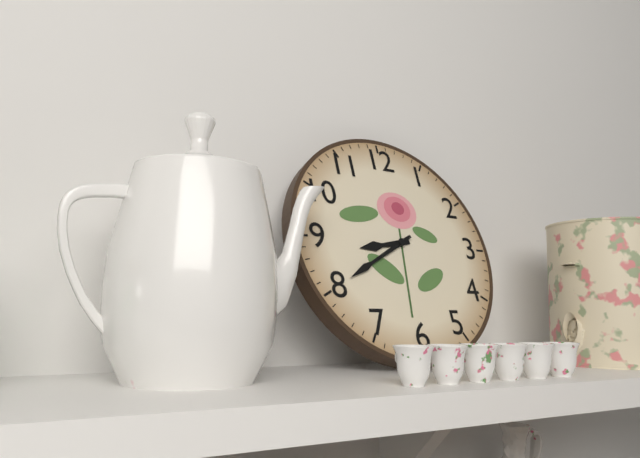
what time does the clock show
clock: 8:40
